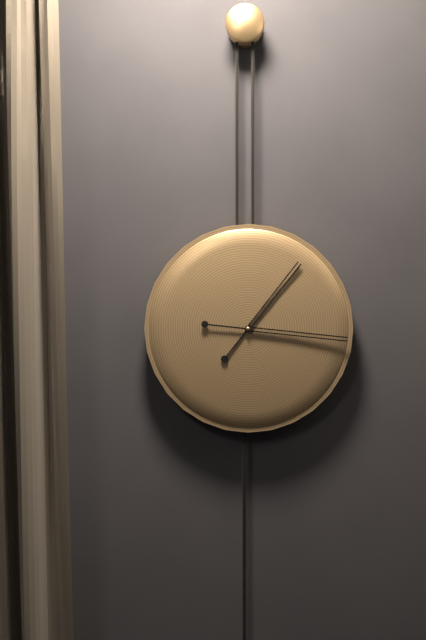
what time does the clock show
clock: 1:16
